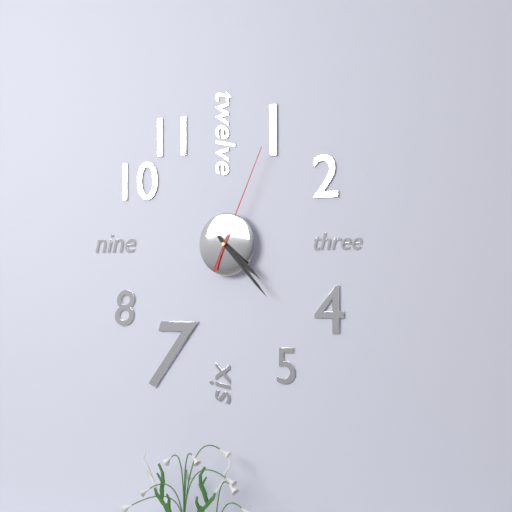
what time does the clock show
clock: 4:23:04
